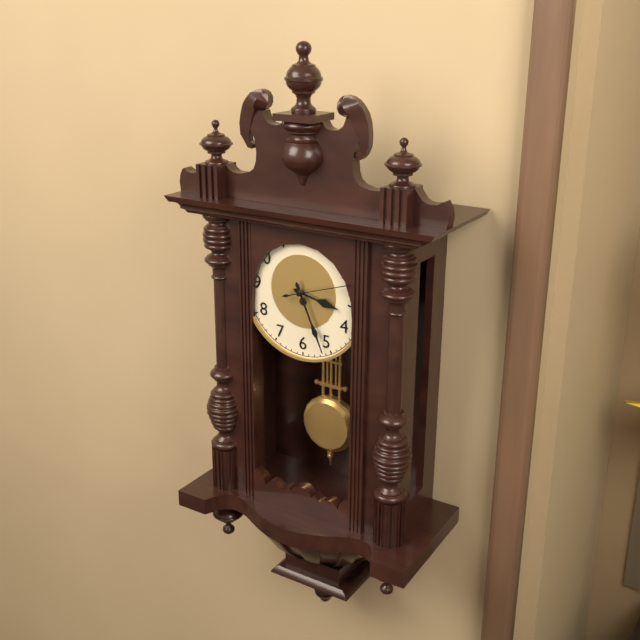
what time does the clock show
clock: 3:26:12
